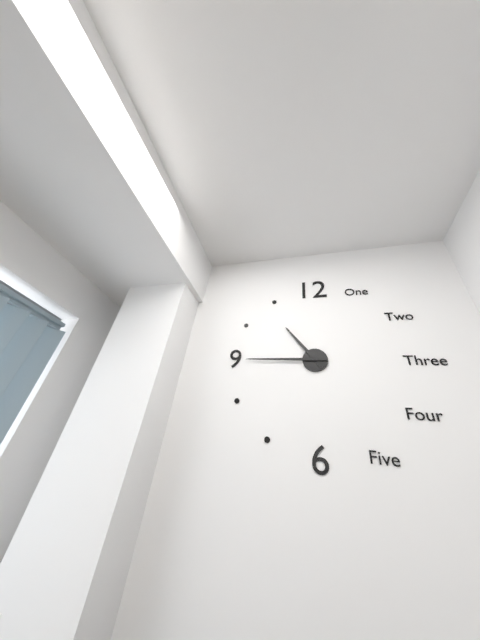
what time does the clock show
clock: 10:45
